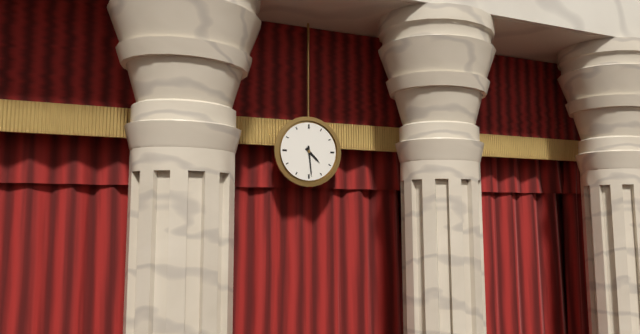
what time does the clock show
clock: 4:29
